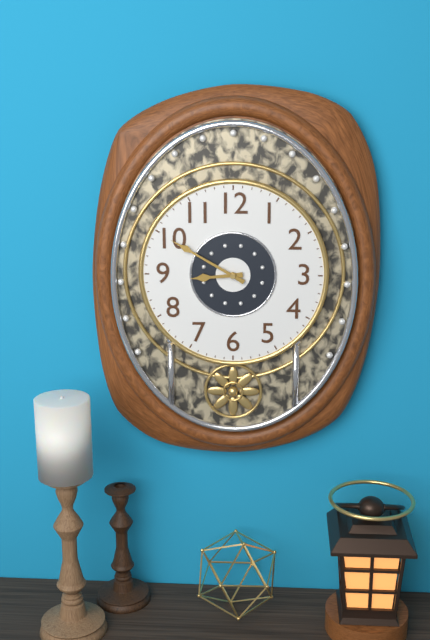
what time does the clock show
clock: 8:50
